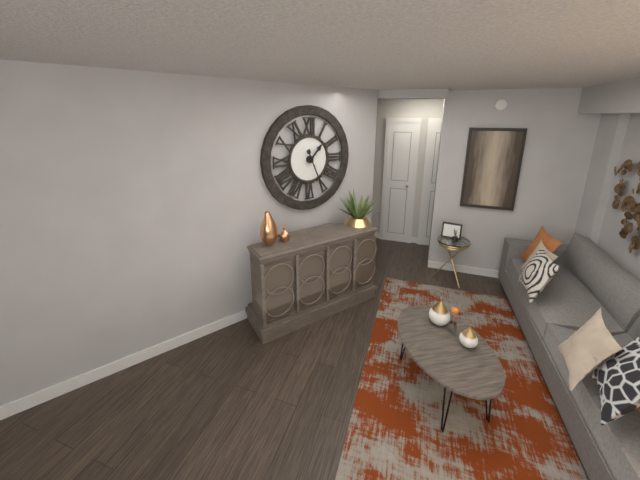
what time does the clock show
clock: 1:26
